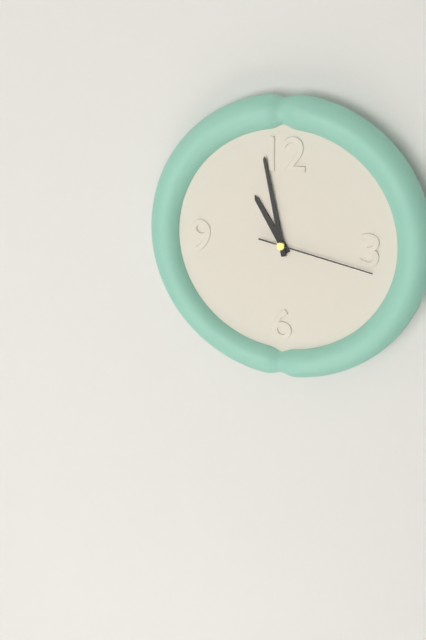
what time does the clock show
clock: 10:58:17
